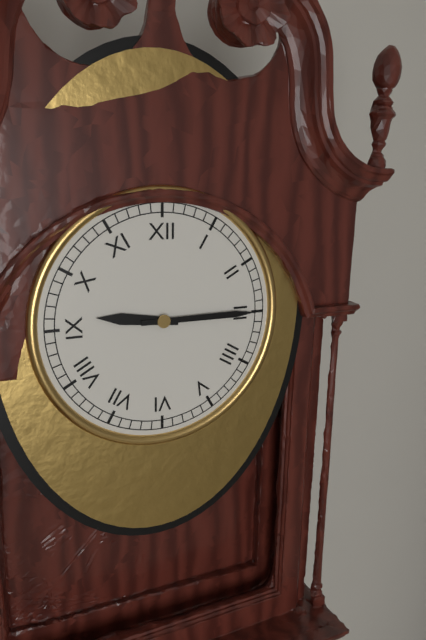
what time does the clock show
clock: 9:15
